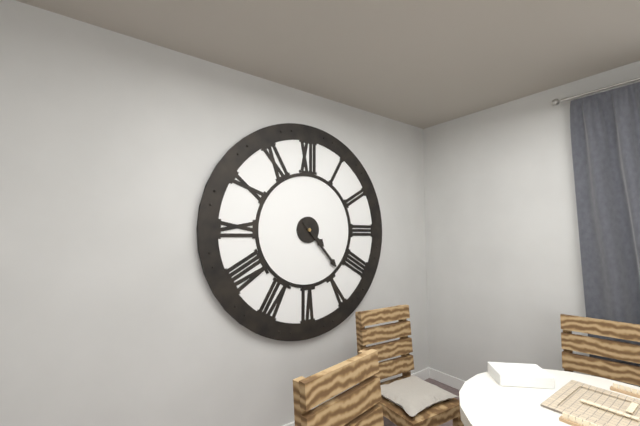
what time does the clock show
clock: 4:23
